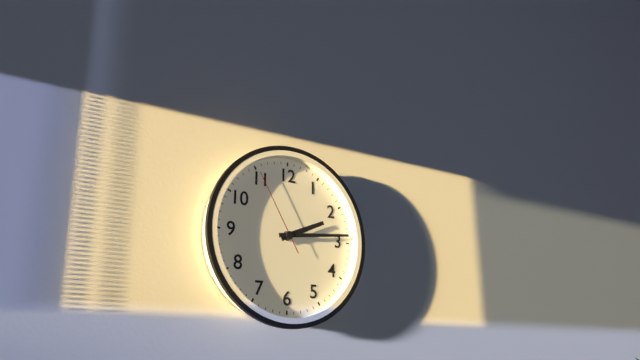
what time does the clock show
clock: 2:14:55
